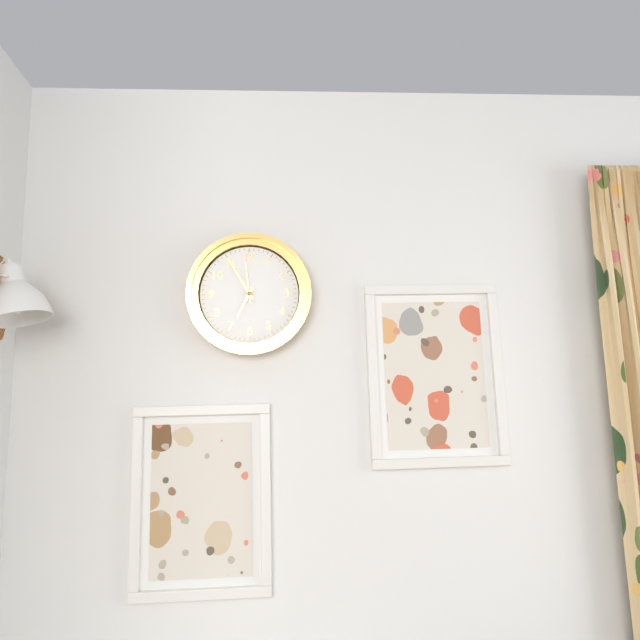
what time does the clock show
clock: 6:55:59
